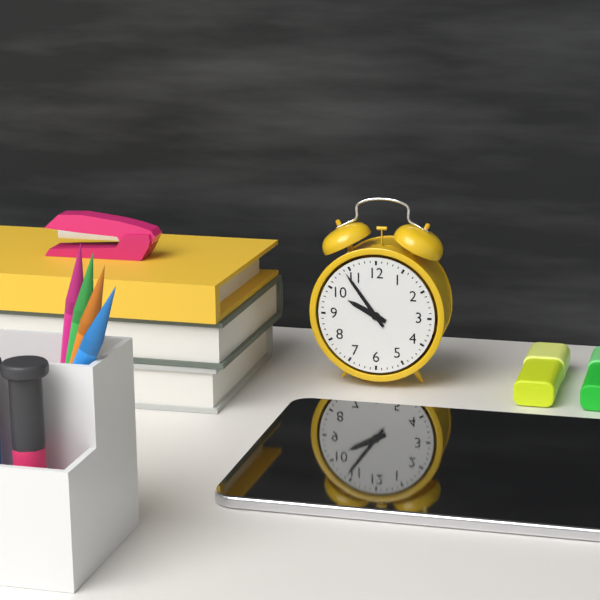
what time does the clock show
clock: 9:54
